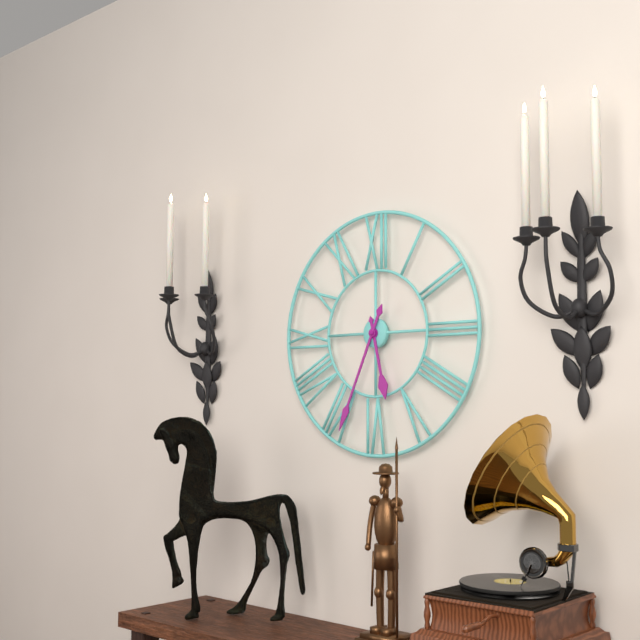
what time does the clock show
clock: 5:34
